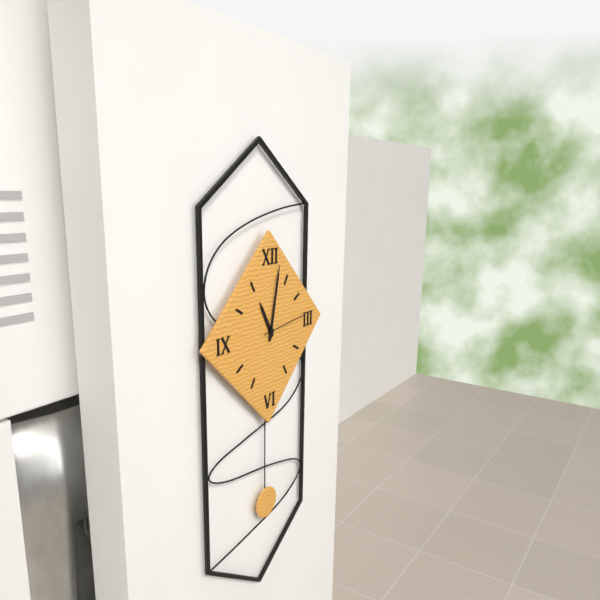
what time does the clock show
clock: 11:02:14
